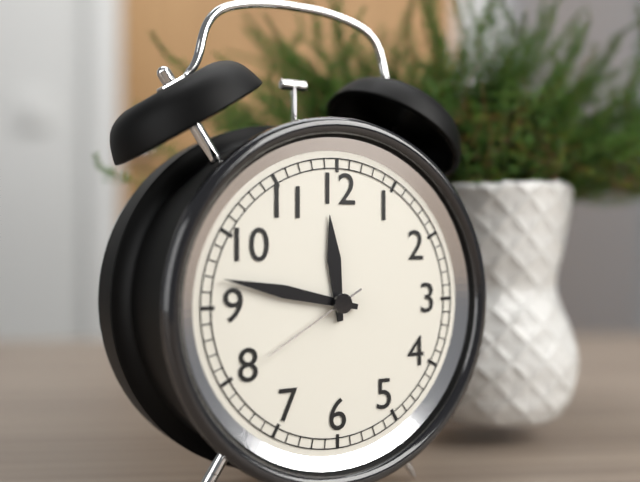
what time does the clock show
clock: 11:47:40
